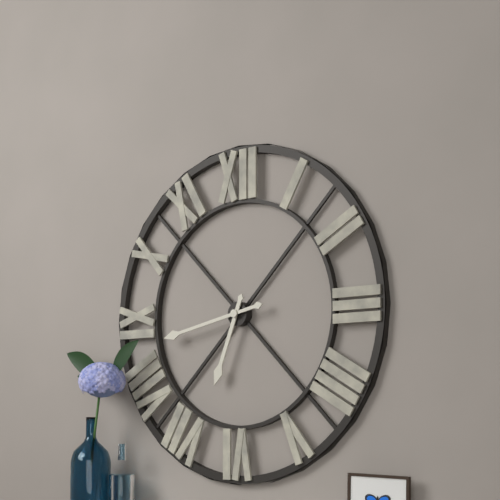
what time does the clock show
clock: 6:43
